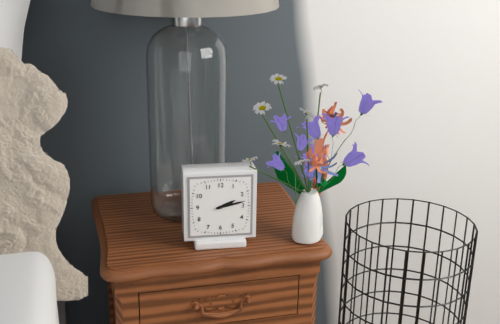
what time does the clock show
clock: 2:13
